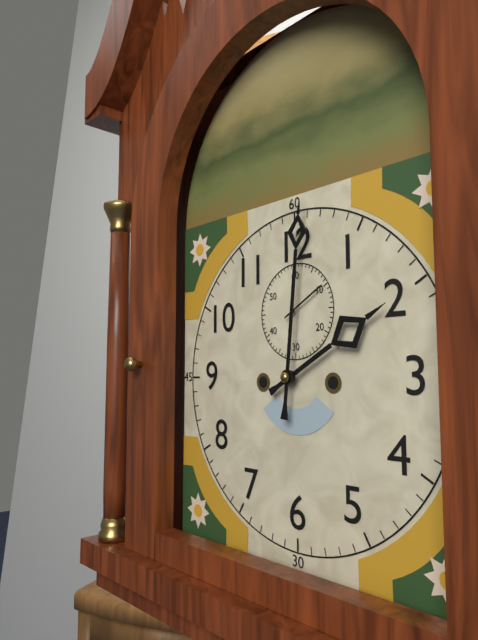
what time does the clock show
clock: 2:01:10
